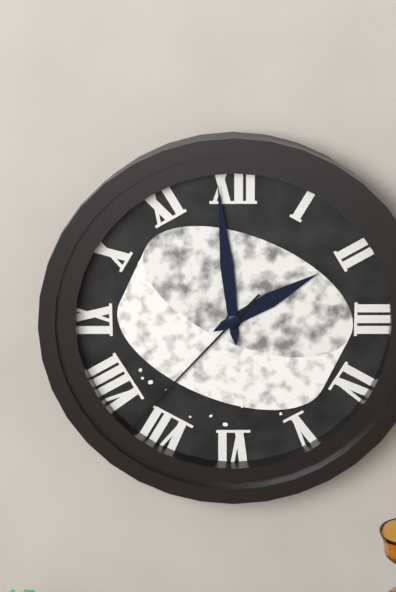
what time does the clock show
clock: 1:59:37
